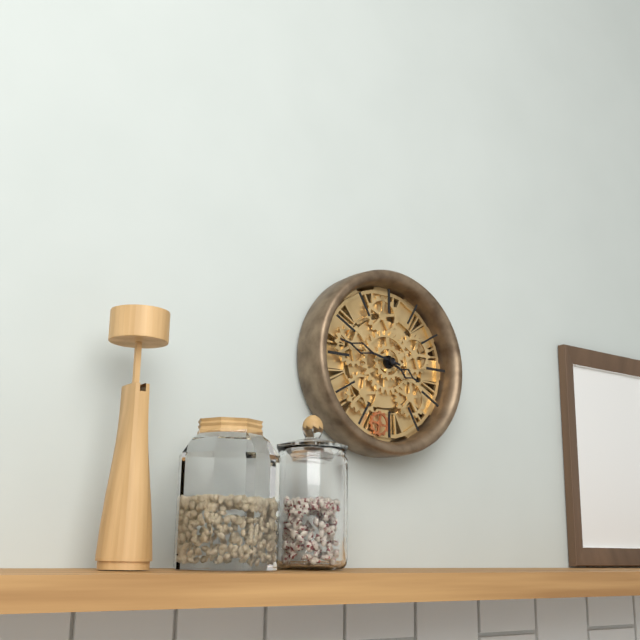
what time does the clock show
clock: 3:47
